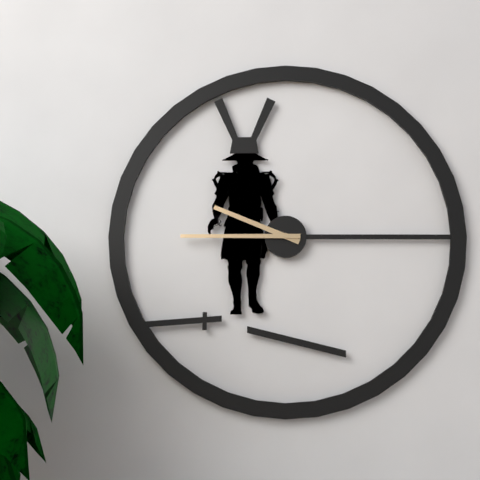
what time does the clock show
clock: 9:45
